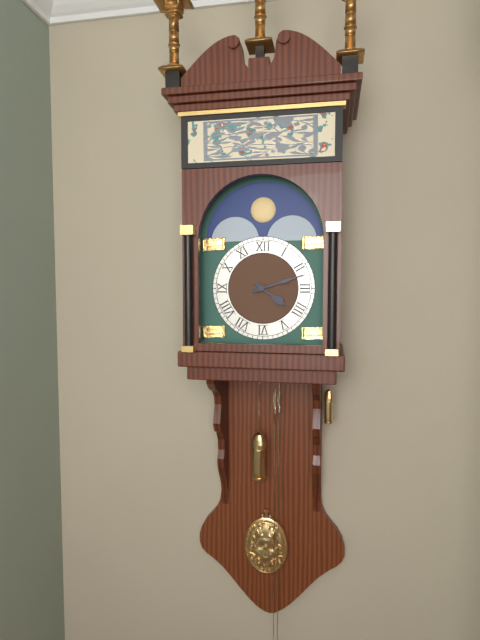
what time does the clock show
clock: 4:12
